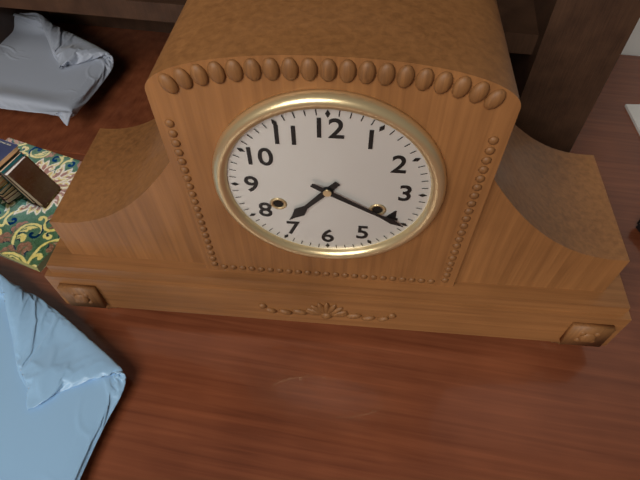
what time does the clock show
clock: 7:20
